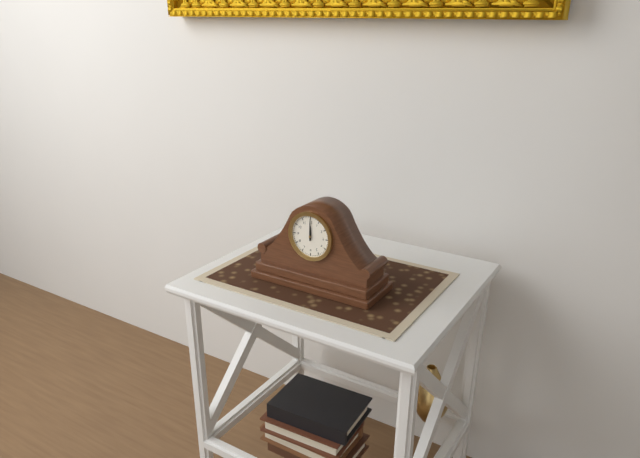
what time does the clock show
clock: 12:00
